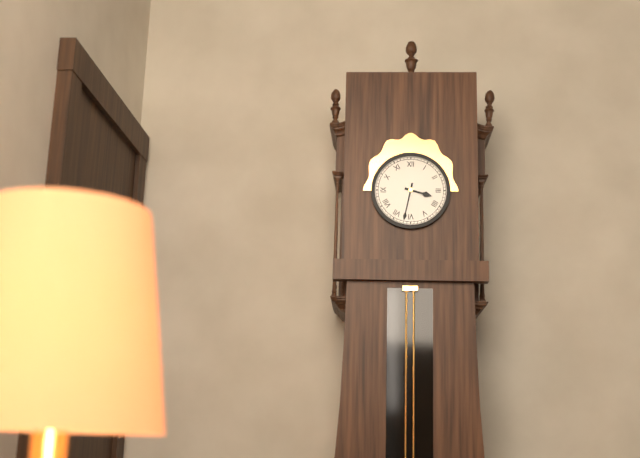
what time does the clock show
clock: 3:32
